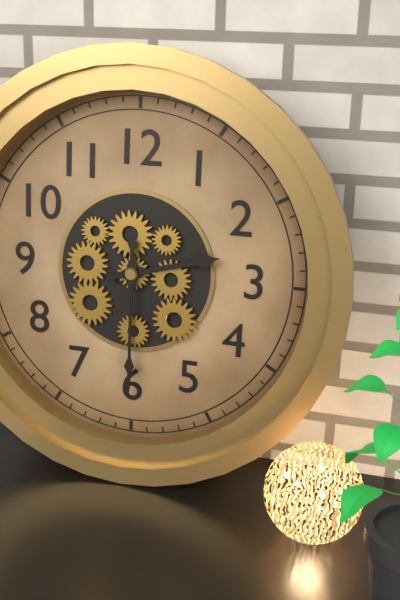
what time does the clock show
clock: 2:30
